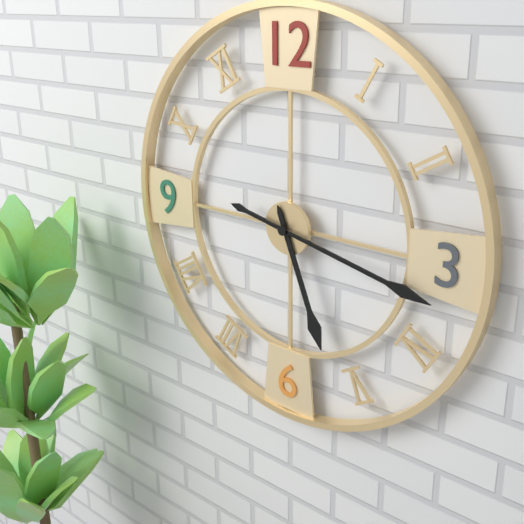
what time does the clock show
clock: 5:17
